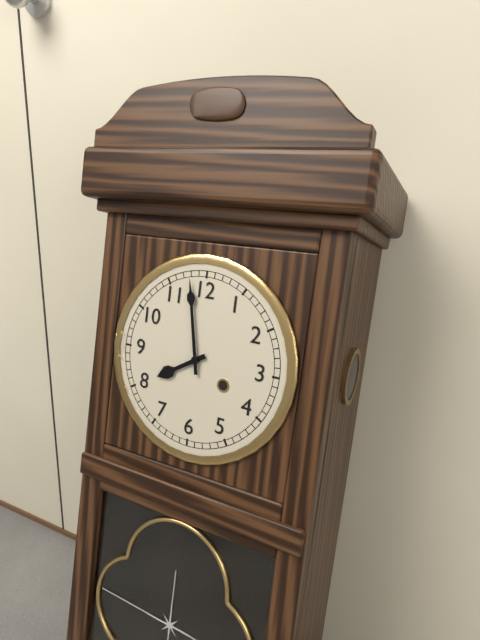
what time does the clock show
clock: 7:58
